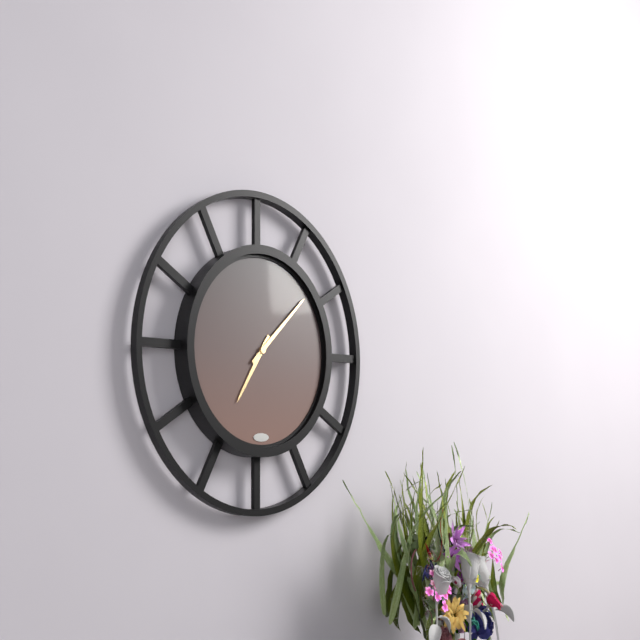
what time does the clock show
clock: 7:08
